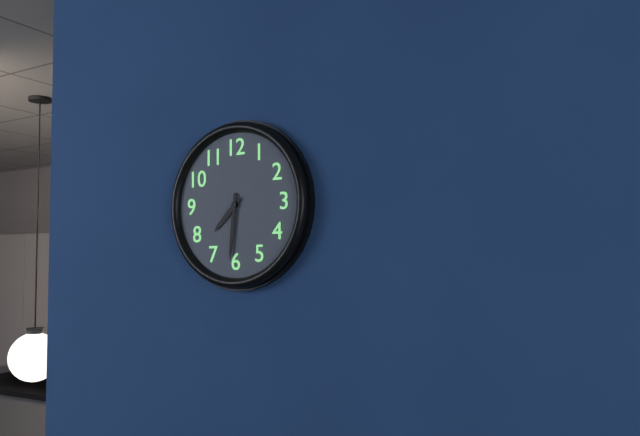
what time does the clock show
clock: 7:31
